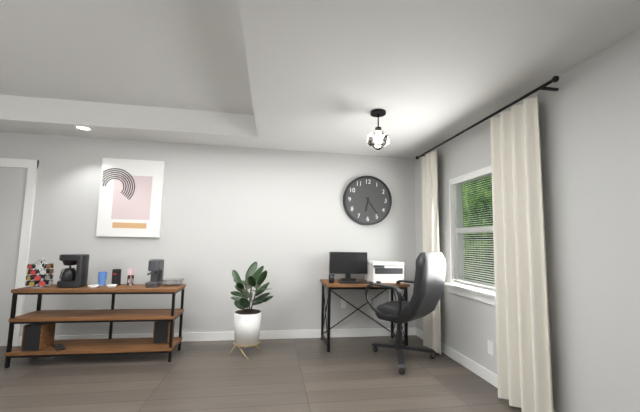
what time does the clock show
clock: 6:24
